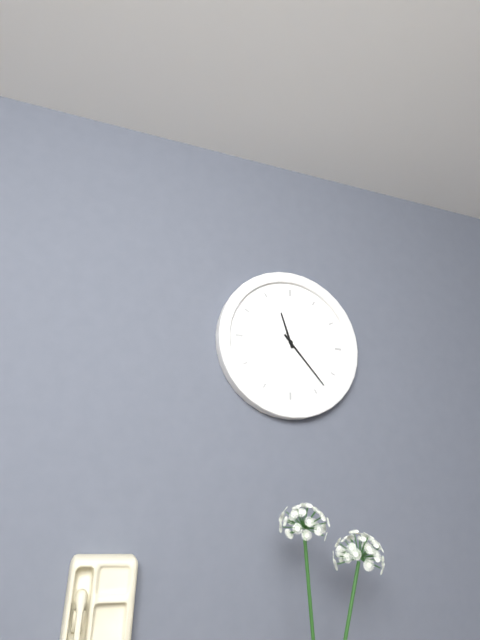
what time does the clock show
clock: 11:23
